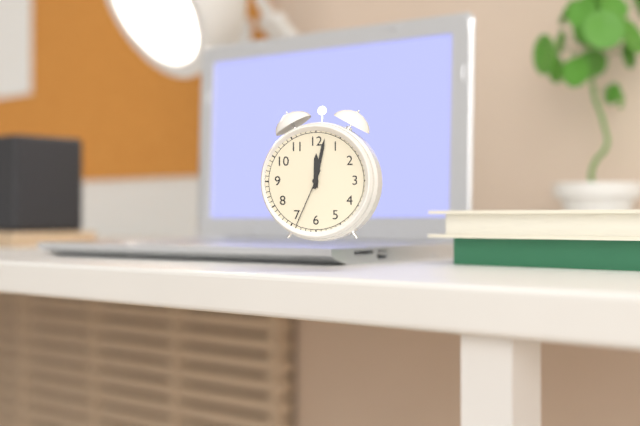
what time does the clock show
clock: 12:02:34
